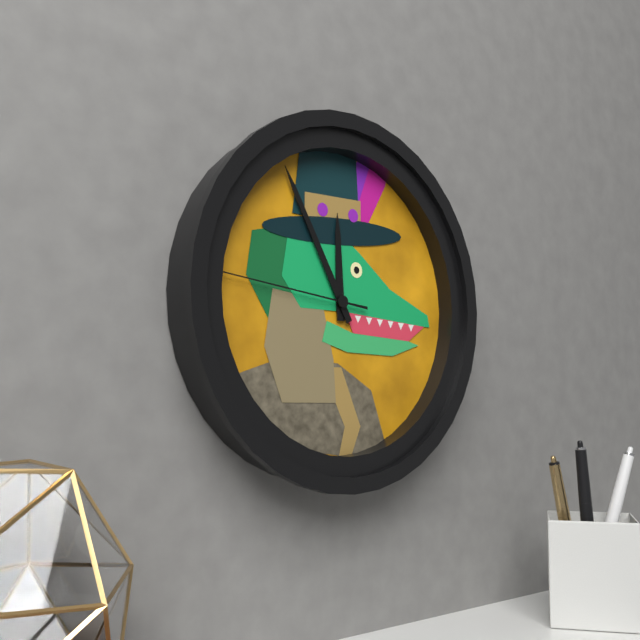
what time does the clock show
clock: 11:55:46
